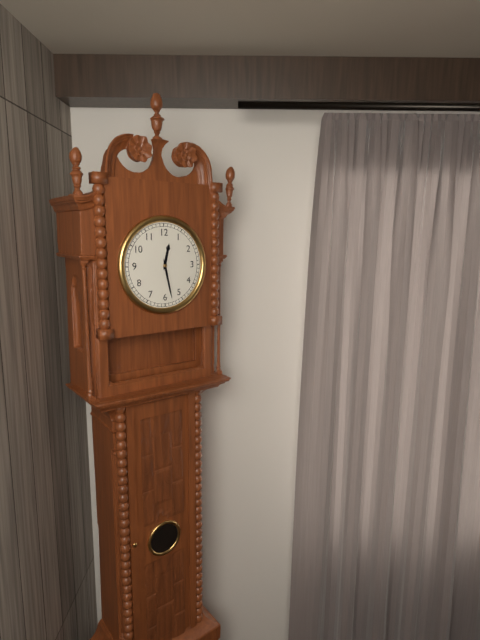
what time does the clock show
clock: 12:28
